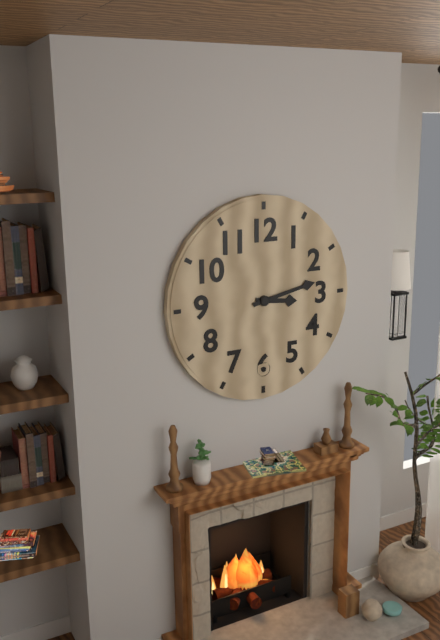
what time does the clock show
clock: 3:13
